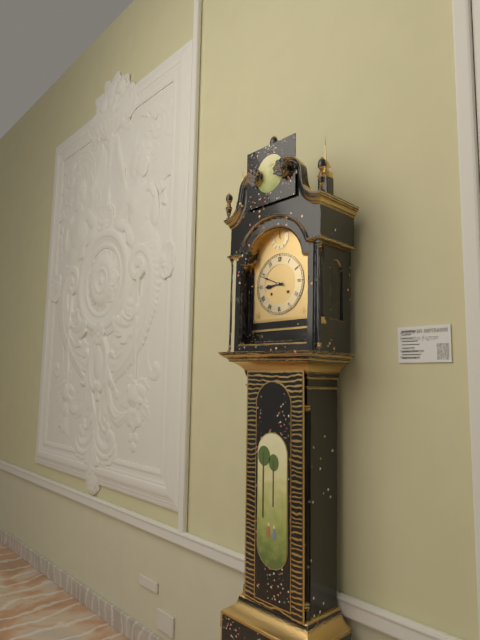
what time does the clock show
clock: 8:49
